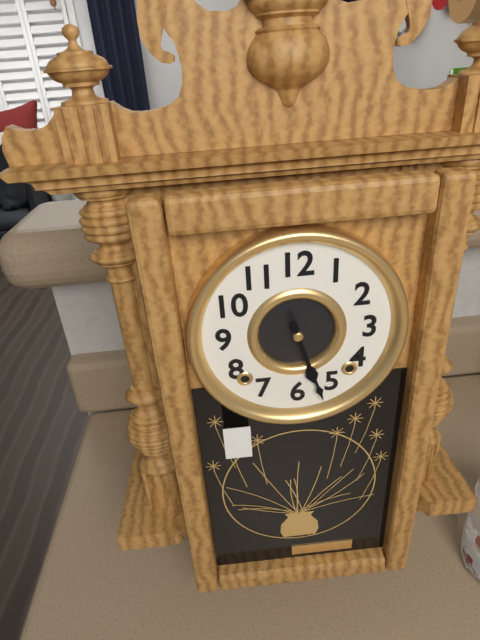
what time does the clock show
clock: 5:27
